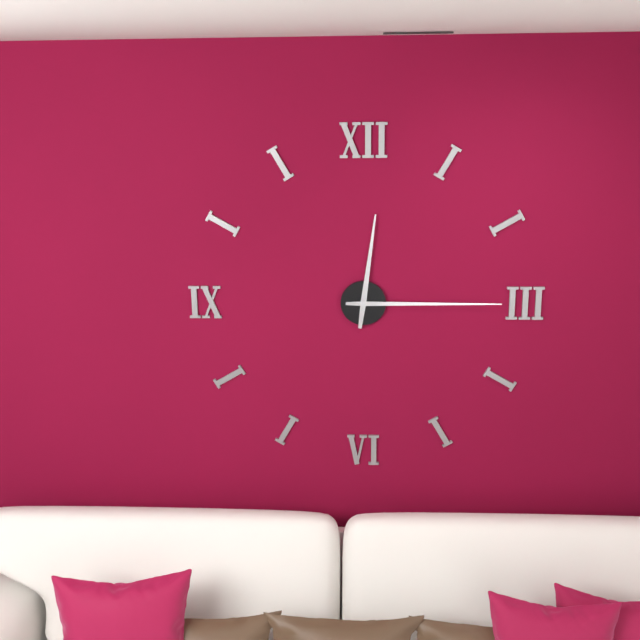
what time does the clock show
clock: 12:15
